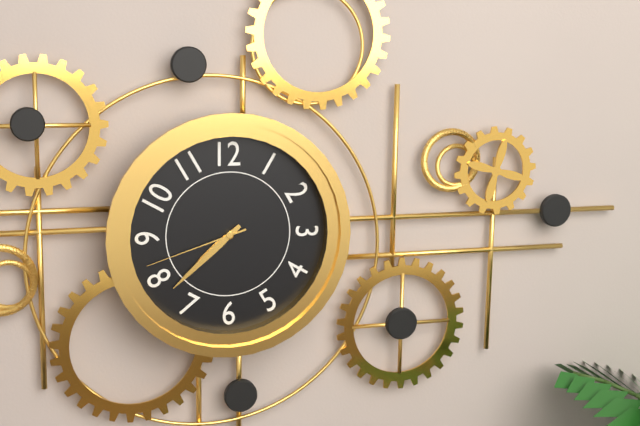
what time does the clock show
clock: 7:38:42
